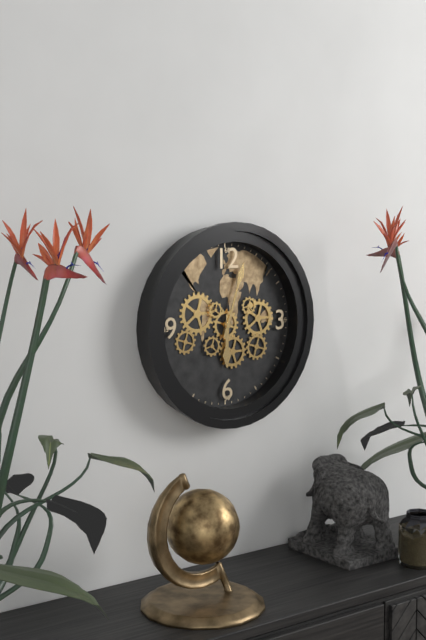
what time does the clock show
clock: 6:03
